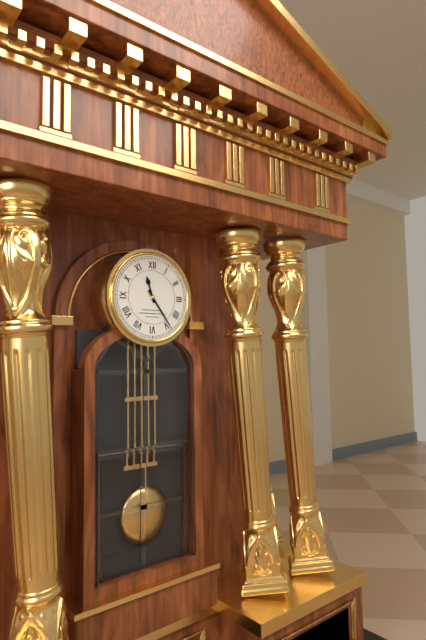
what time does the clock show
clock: 11:24
